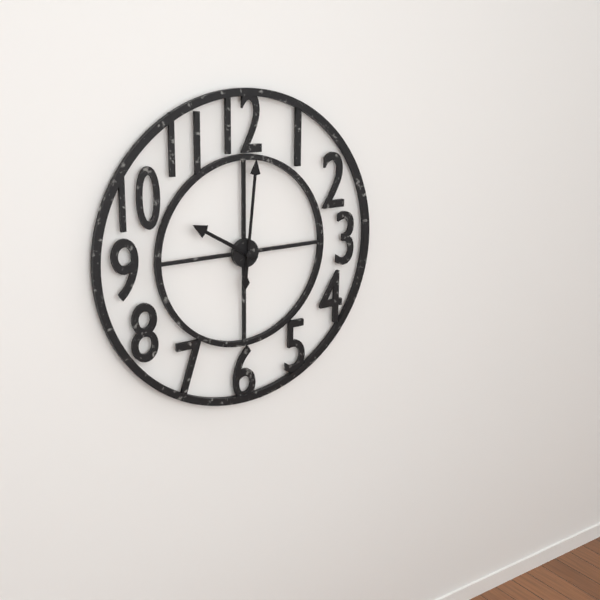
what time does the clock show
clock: 10:01
